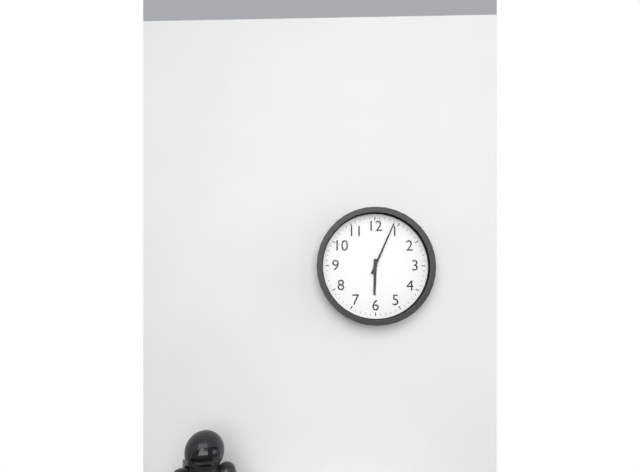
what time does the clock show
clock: 6:04
